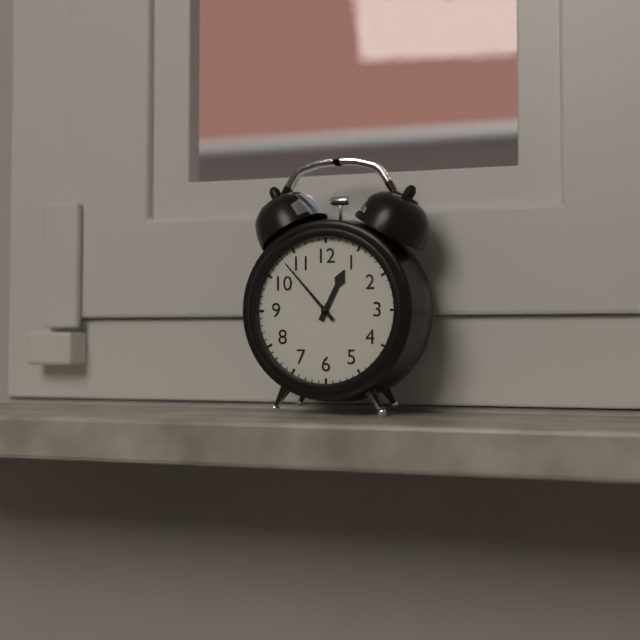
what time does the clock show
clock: 12:53
